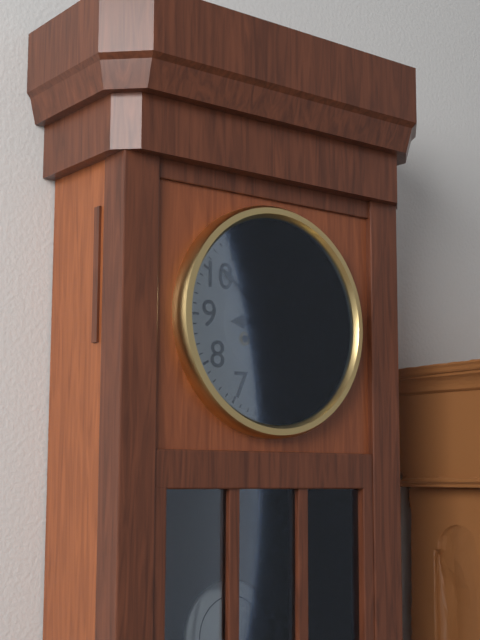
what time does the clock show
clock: 8:51
